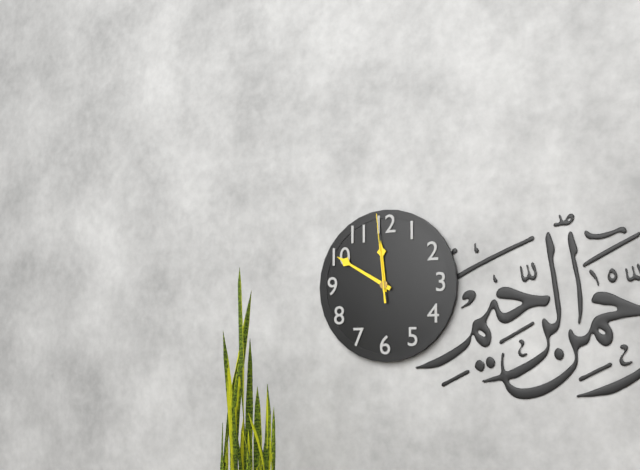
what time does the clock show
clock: 11:50:59
